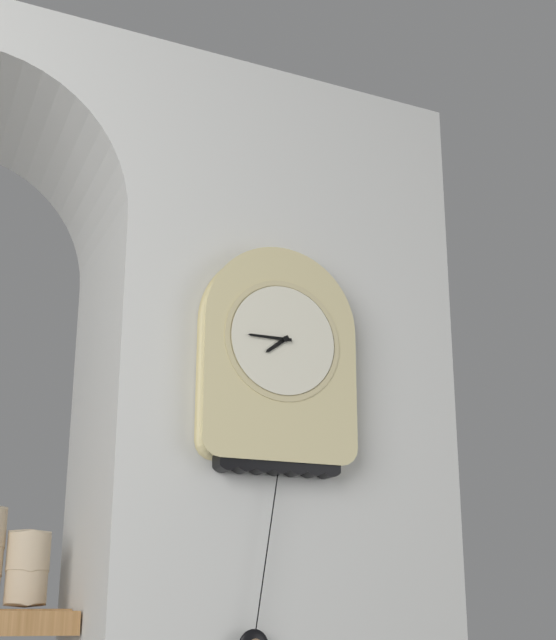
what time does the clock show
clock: 7:45
